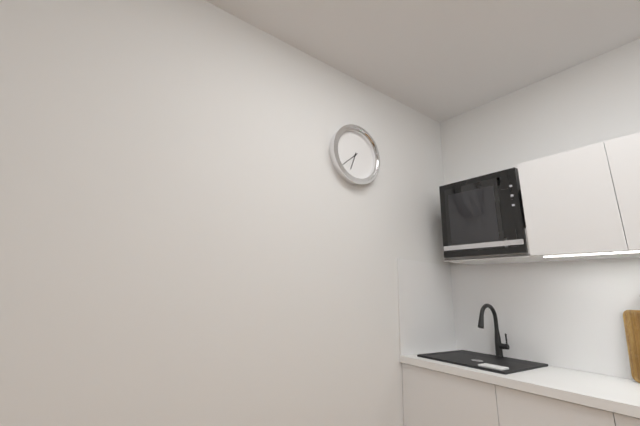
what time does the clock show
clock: 6:38
